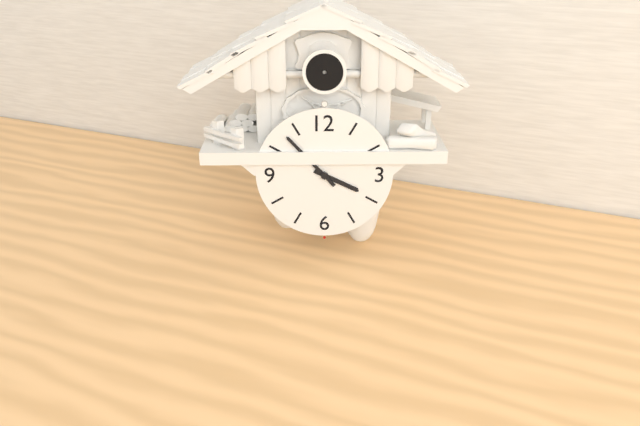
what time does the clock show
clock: 3:53
